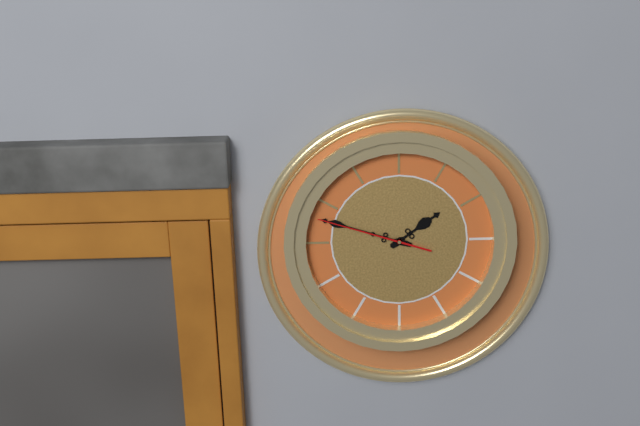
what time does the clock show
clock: 1:48:48
